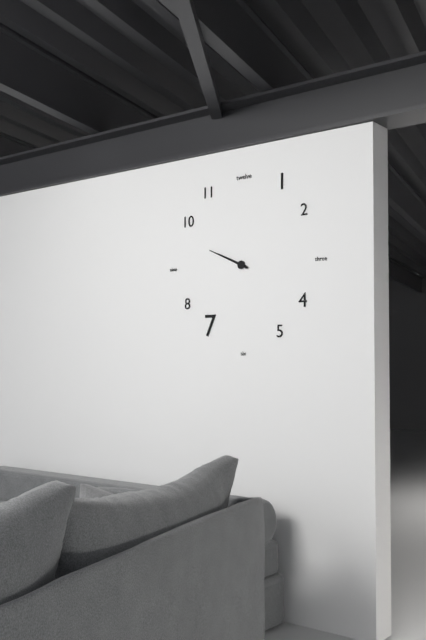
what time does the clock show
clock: 9:49
